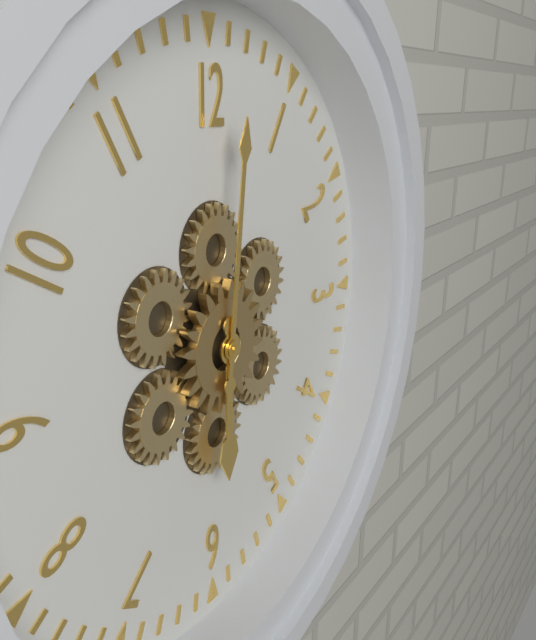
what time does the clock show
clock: 6:01
